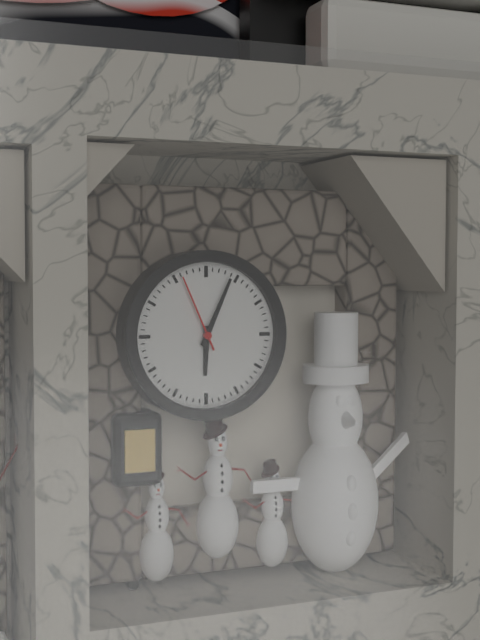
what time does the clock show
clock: 6:04:56
